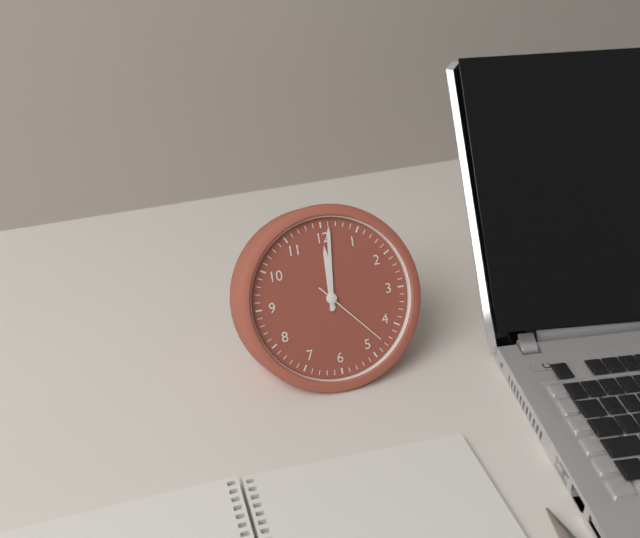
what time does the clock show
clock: 12:01:23
